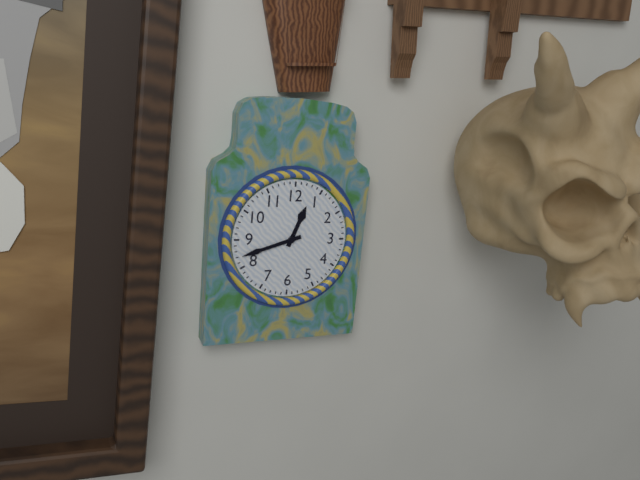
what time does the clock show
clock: 12:42
